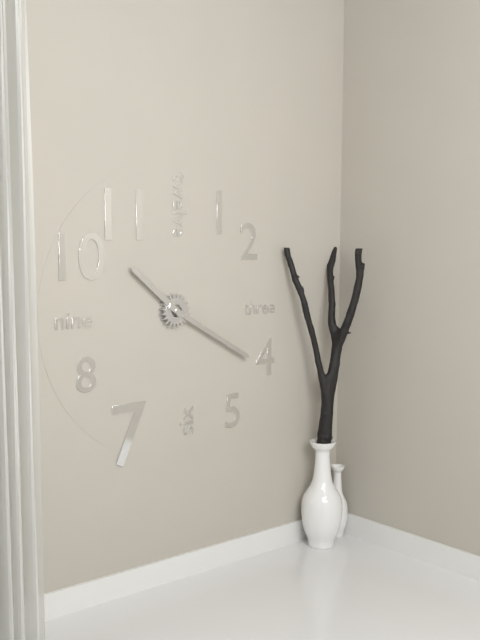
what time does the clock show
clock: 10:20
